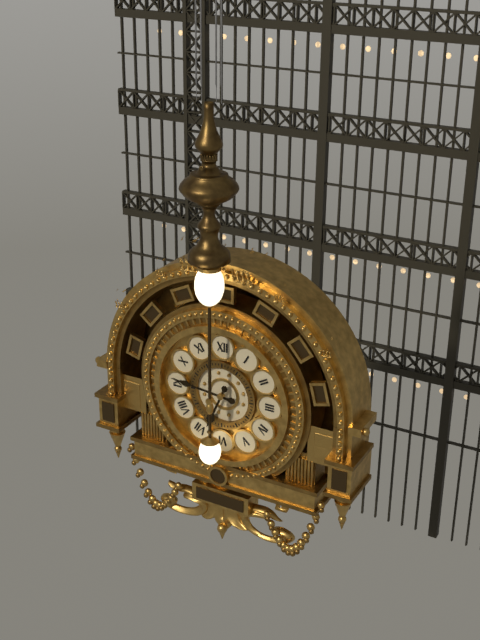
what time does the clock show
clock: 6:46
